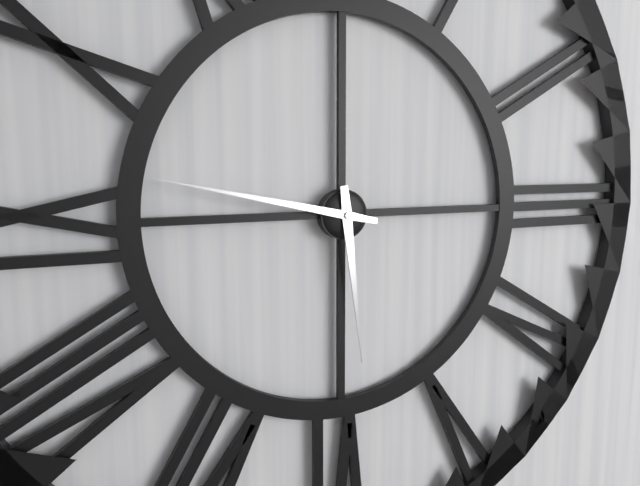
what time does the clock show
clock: 5:47
